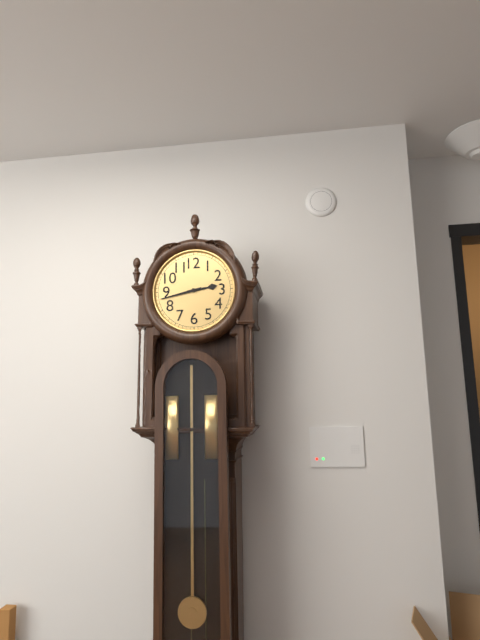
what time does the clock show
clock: 2:43
